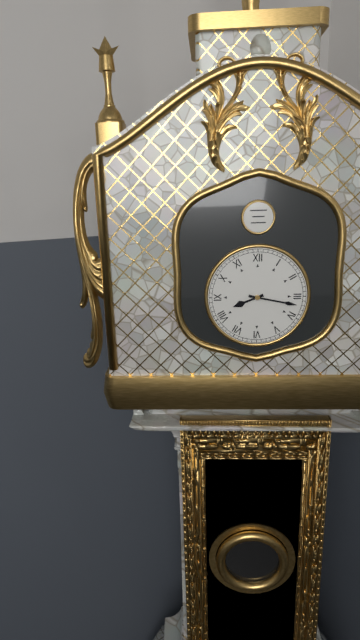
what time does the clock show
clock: 8:17
